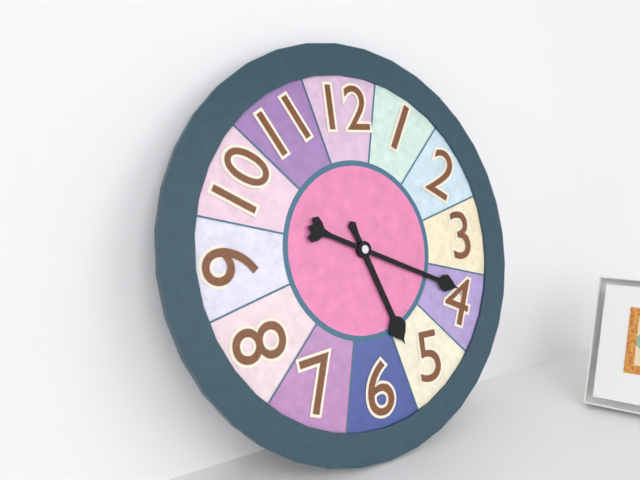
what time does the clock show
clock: 5:19
